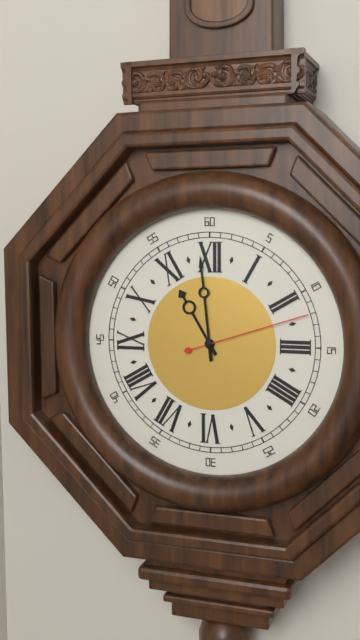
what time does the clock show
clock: 10:59:12
